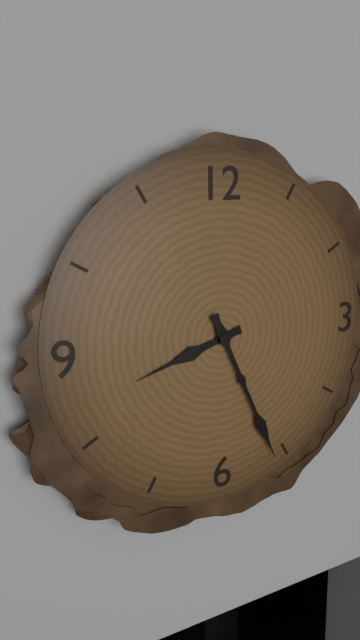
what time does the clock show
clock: 8:26
